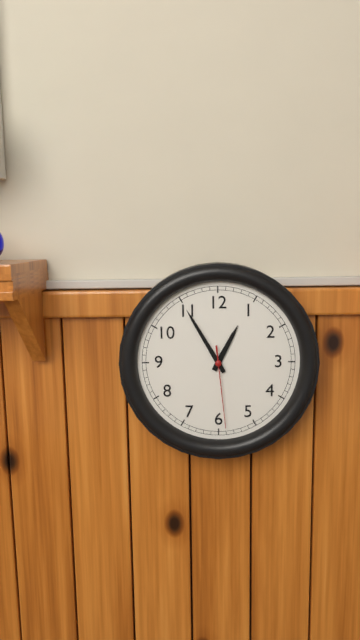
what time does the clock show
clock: 12:55:29
